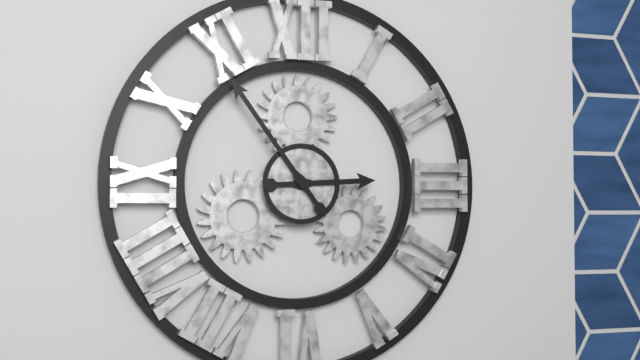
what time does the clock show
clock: 2:54
